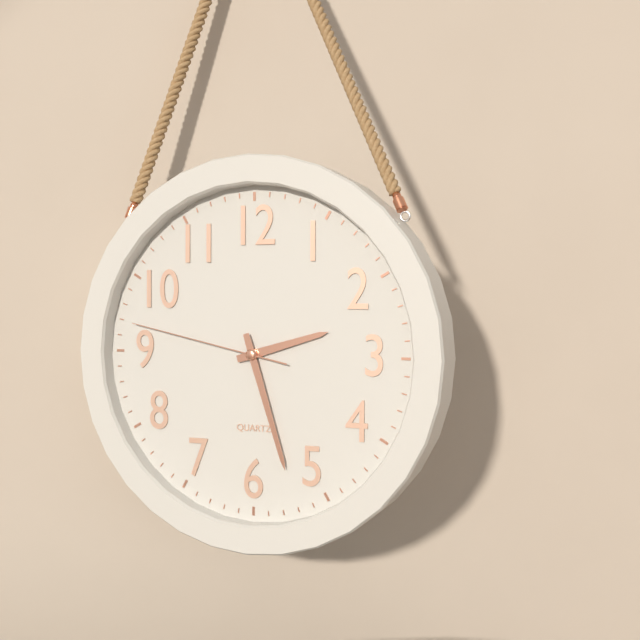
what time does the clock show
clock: 2:27:47
